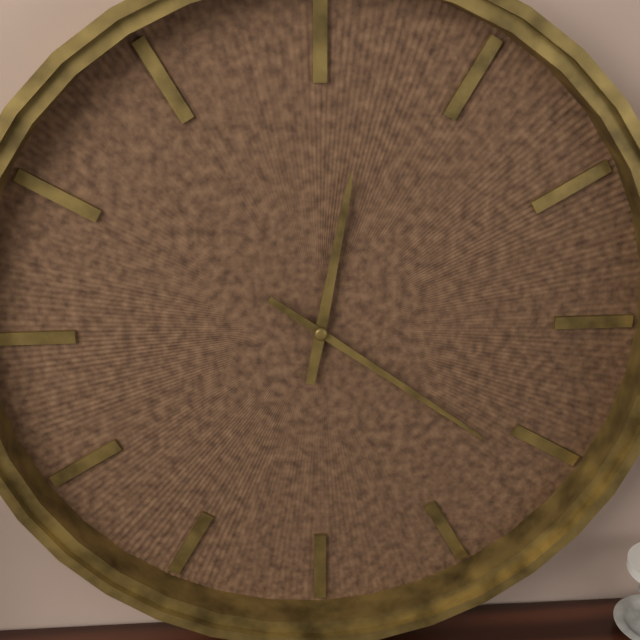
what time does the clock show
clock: 12:21
